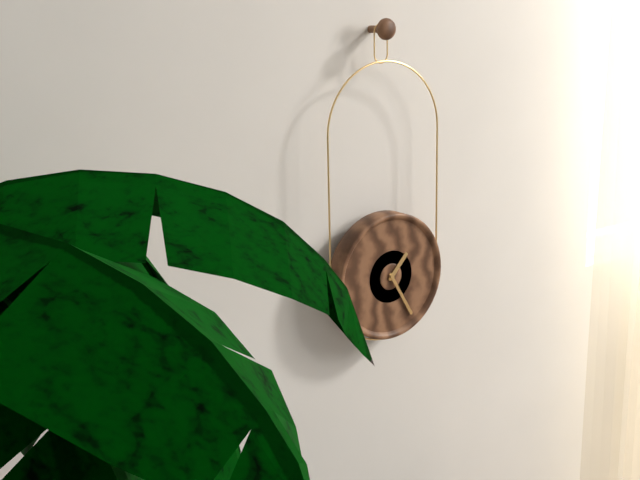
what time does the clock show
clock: 1:25
